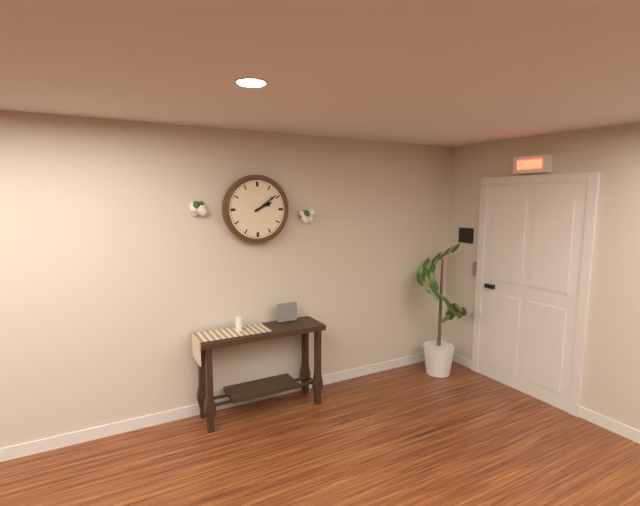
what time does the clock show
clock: 2:09
